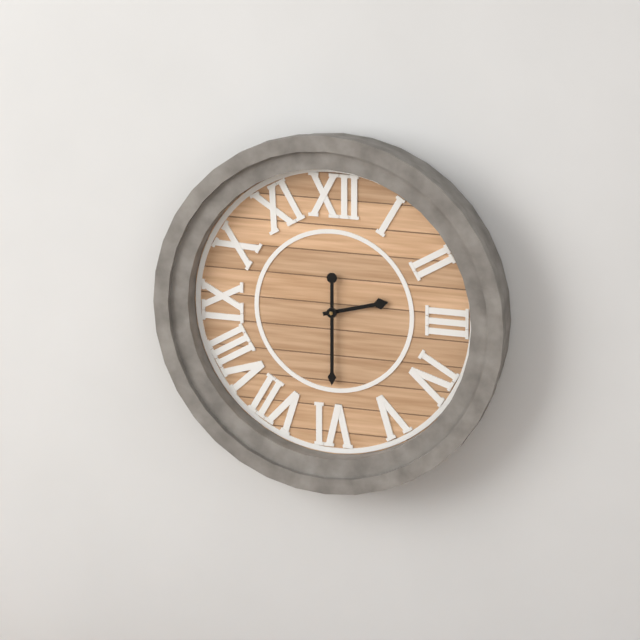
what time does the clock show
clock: 2:30
